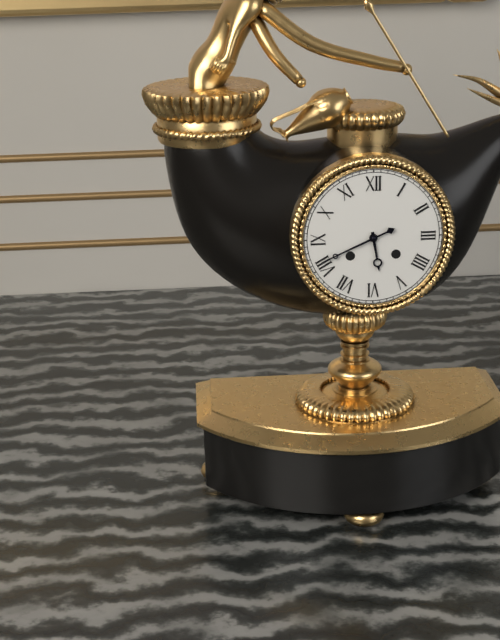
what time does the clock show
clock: 5:41
